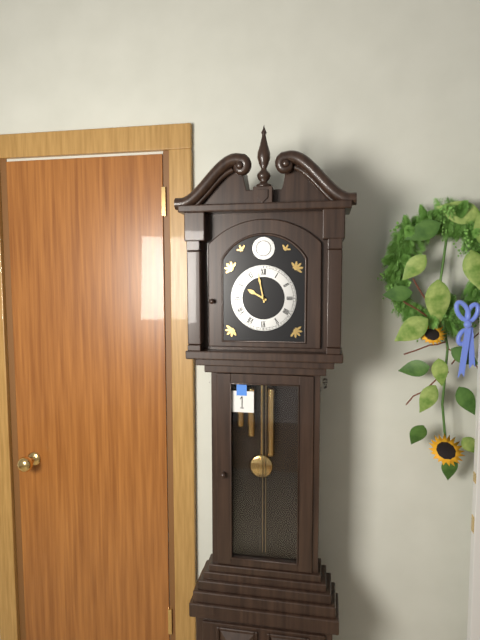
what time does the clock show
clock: 9:58
